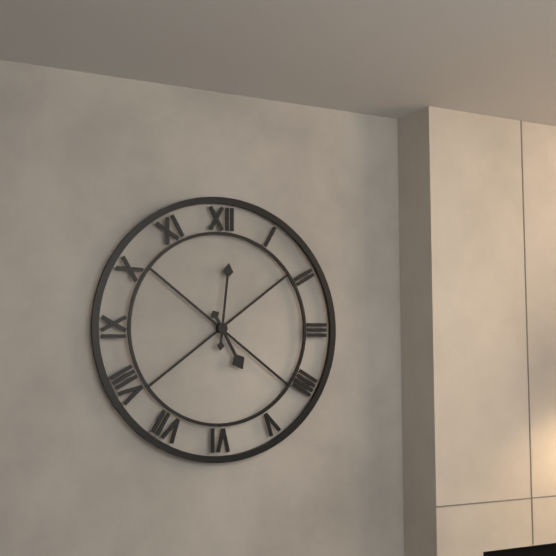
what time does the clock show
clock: 5:01
